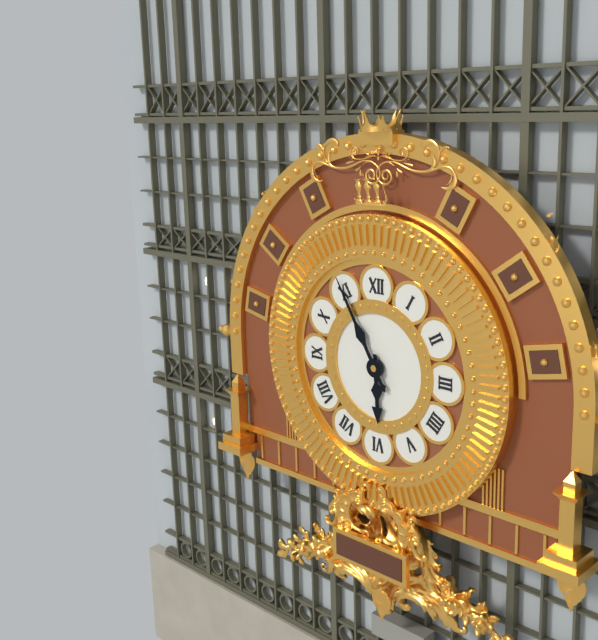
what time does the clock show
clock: 5:55
